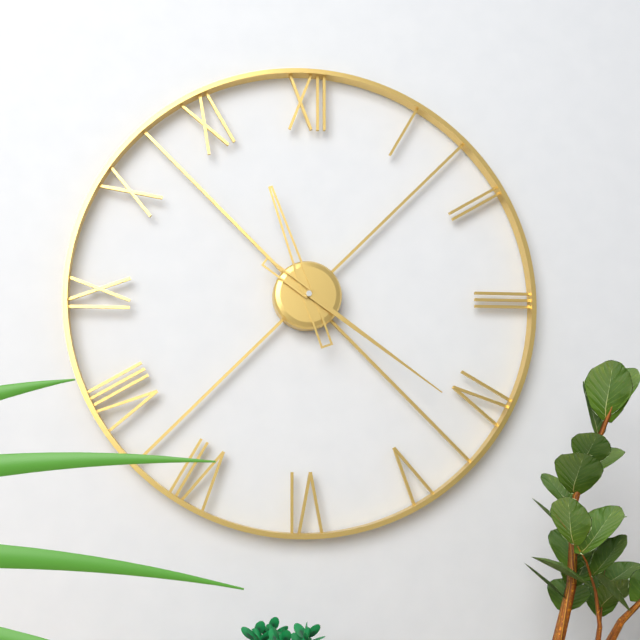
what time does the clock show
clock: 11:21
